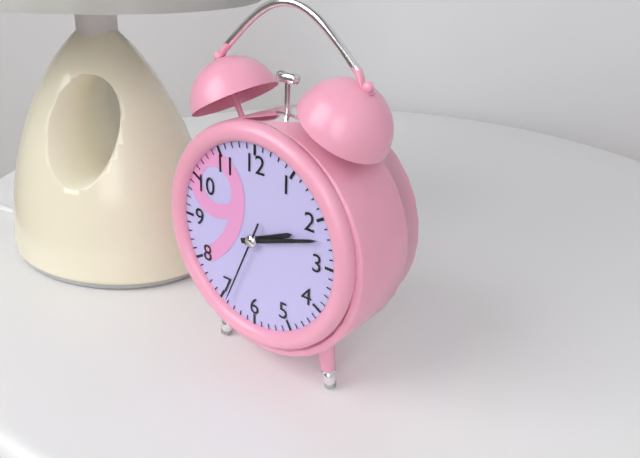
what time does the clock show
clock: 2:12:34
